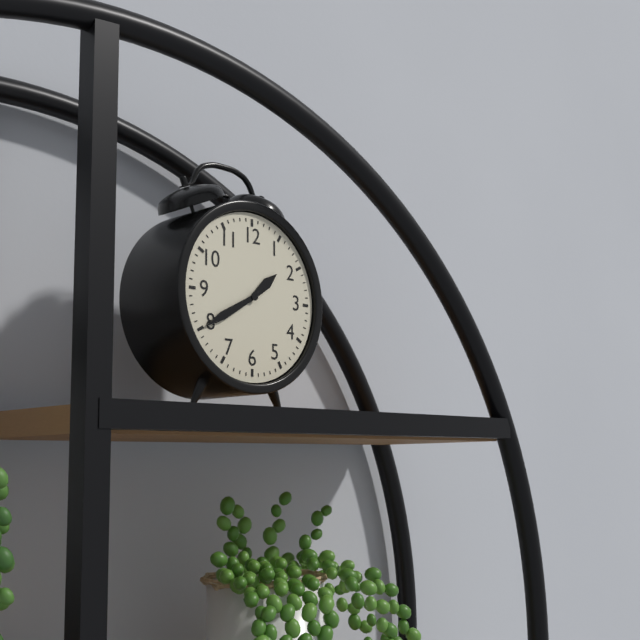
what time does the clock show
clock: 1:40
